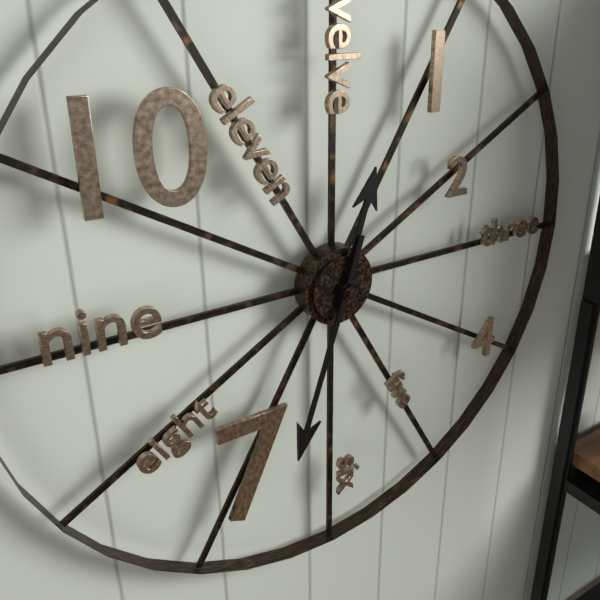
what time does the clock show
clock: 12:33
